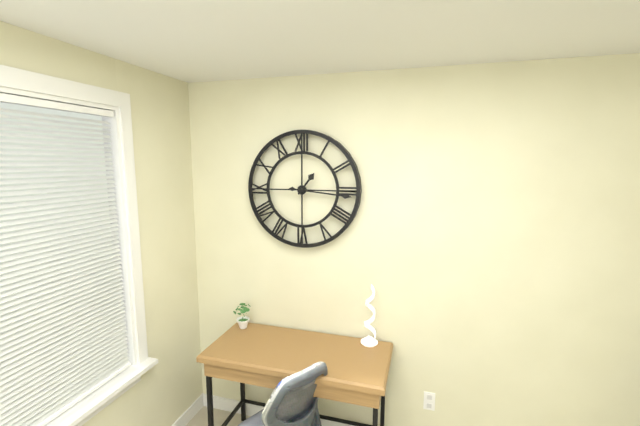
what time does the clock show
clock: 1:16
